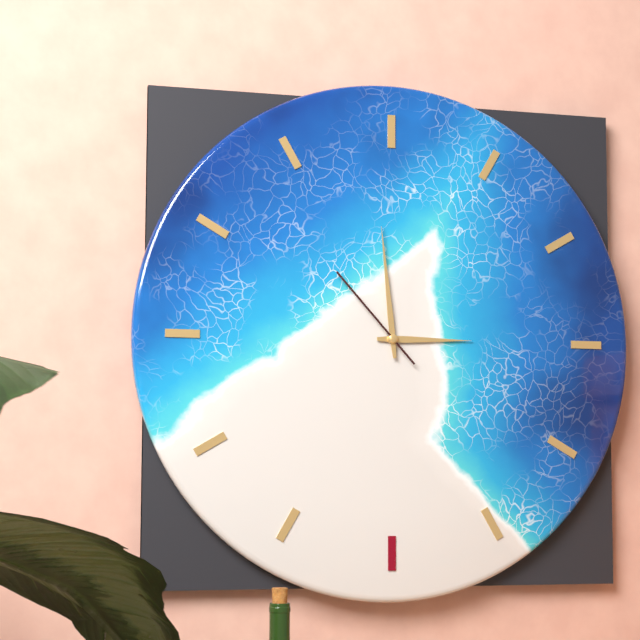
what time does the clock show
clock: 2:59:53
